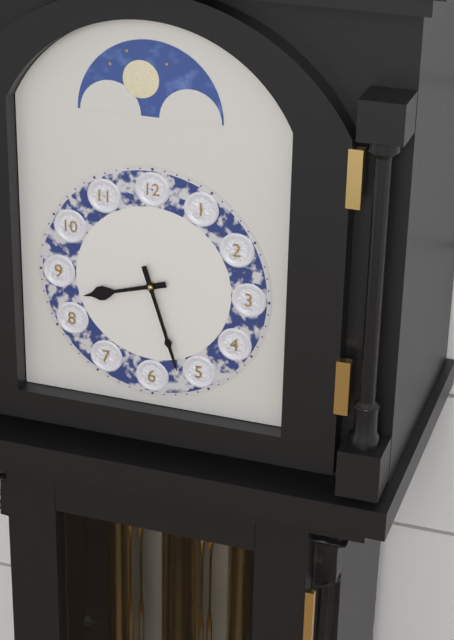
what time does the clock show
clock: 8:27
